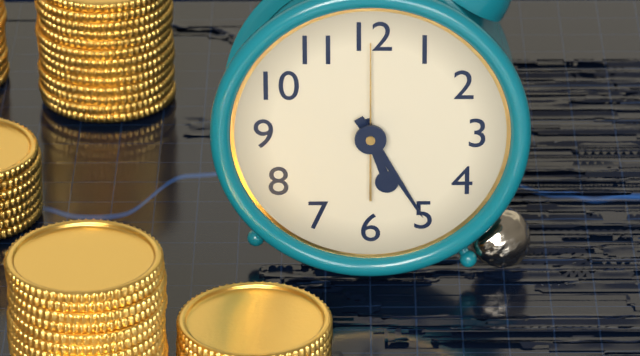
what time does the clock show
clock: 5:25:00
